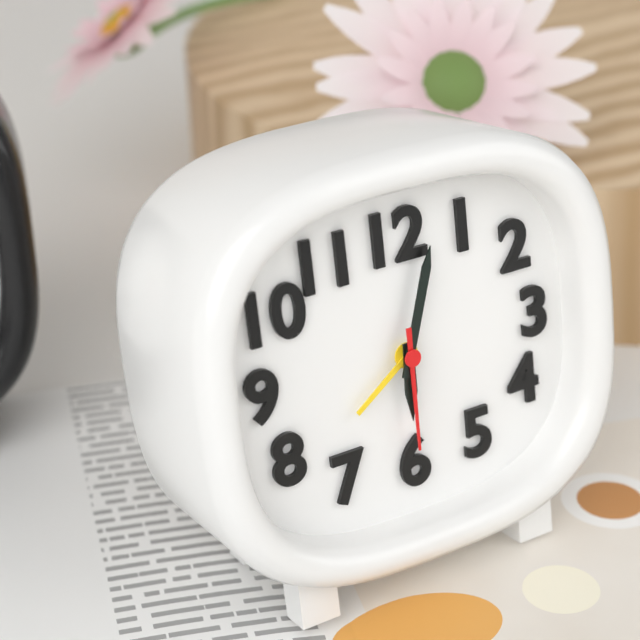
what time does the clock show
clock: 6:03:30
